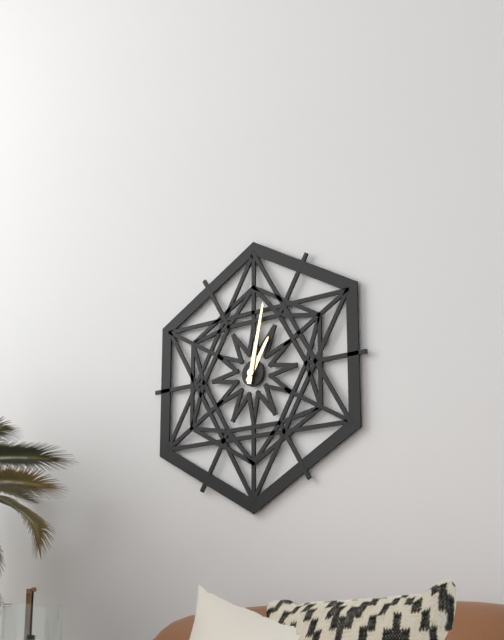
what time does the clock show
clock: 1:02
